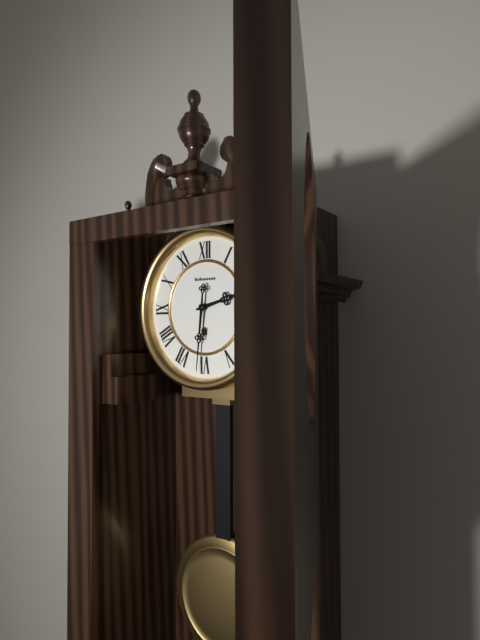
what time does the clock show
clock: 2:31
